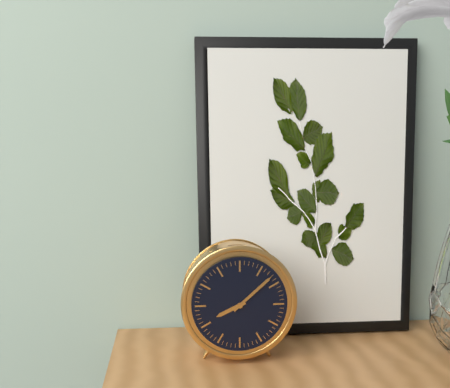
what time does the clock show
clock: 8:08
